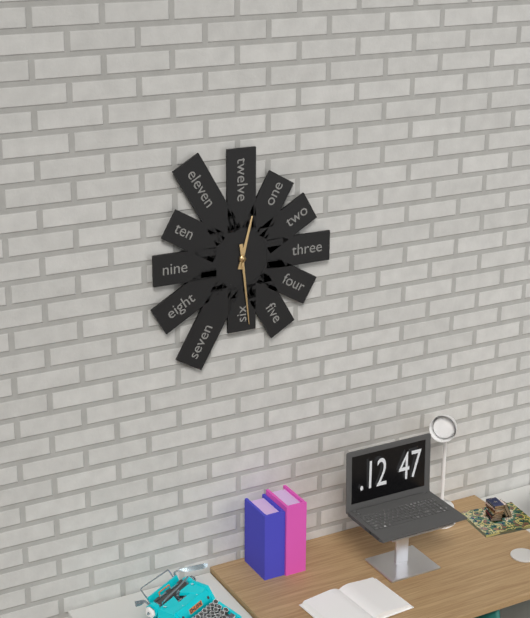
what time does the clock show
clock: 12:29
